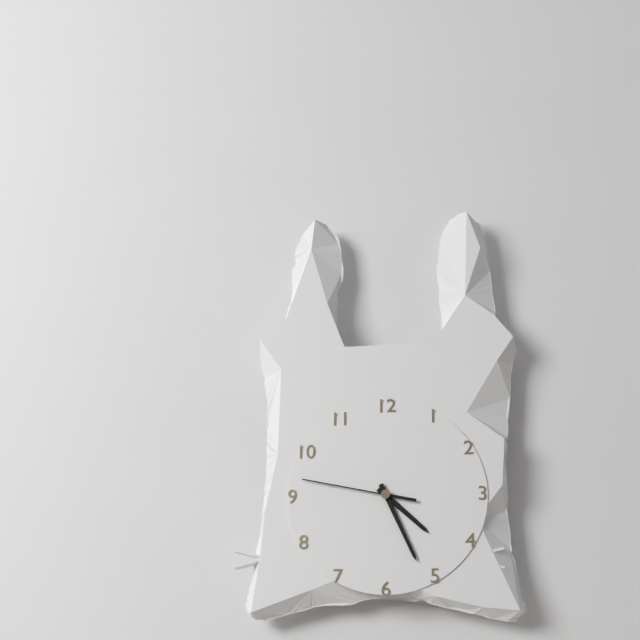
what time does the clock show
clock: 4:26:47
